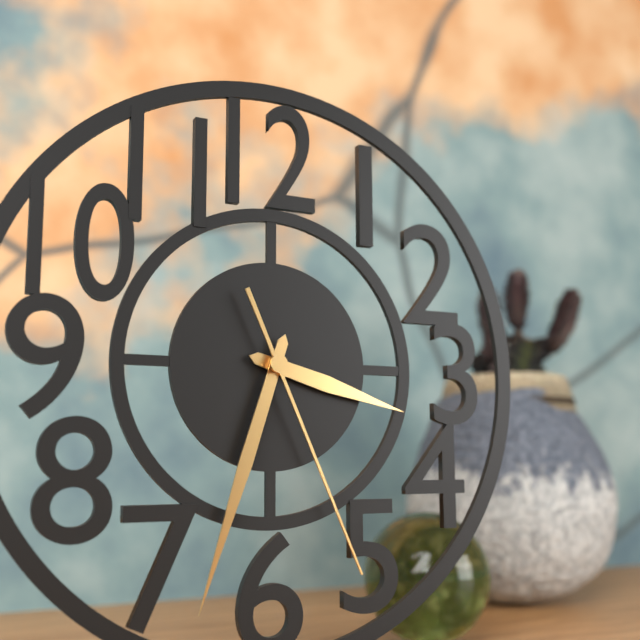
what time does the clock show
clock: 3:33:26
